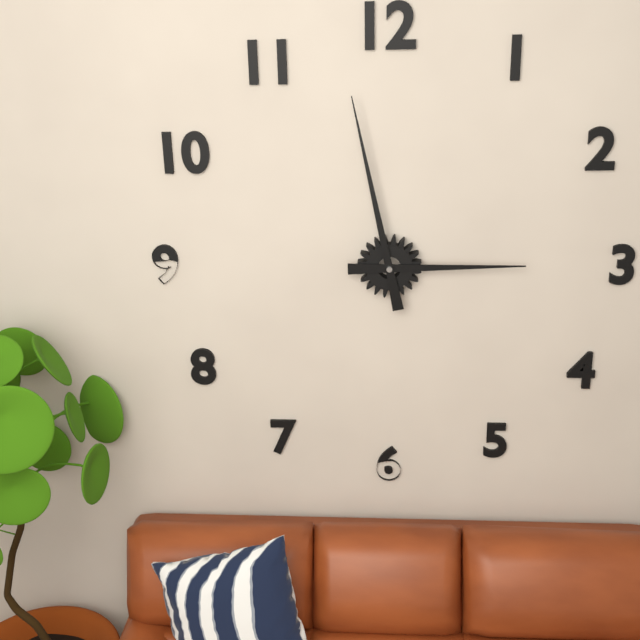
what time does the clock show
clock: 2:58
